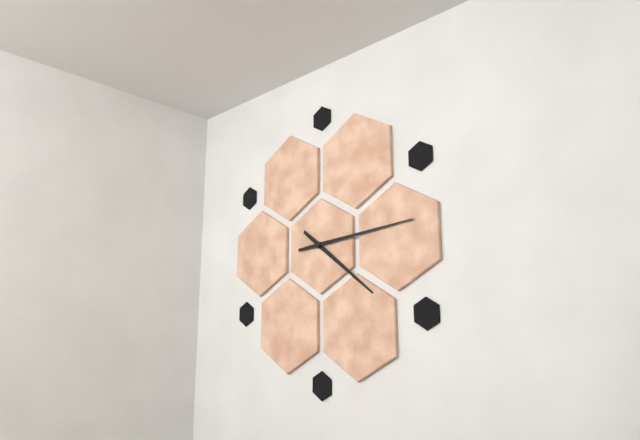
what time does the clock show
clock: 4:14
